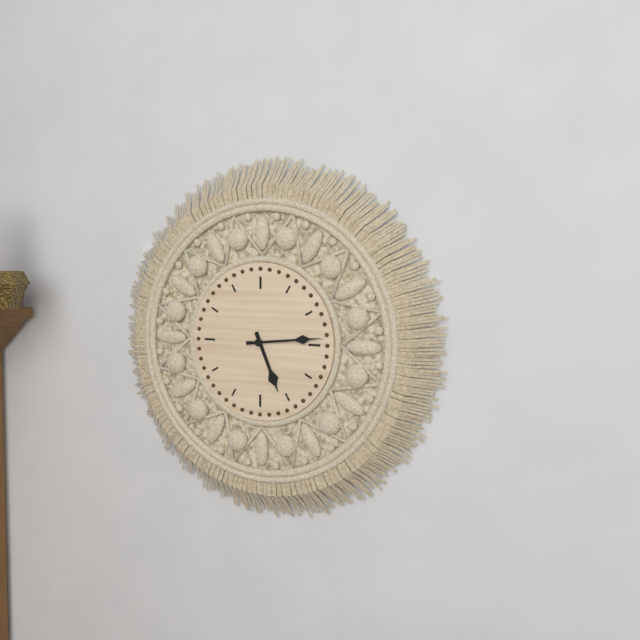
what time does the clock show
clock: 5:14
